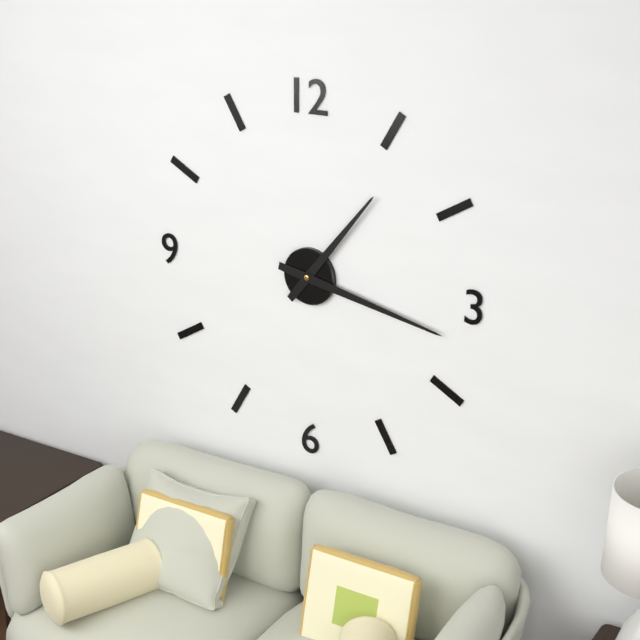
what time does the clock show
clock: 1:17
